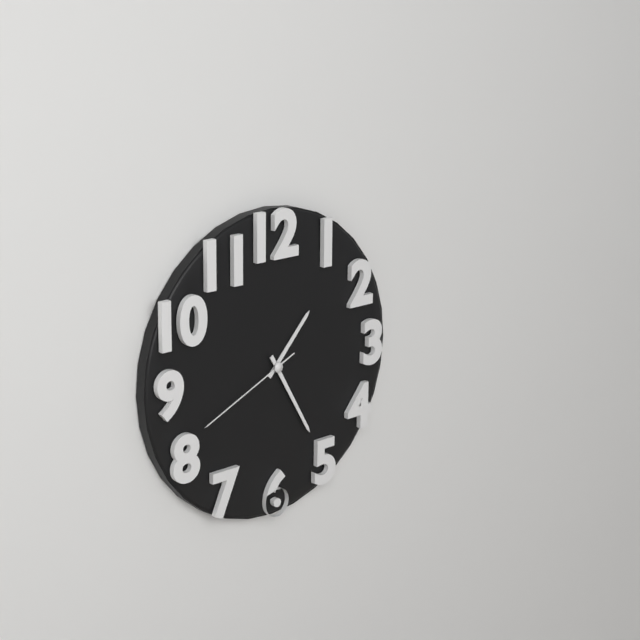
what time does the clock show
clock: 1:25:41
